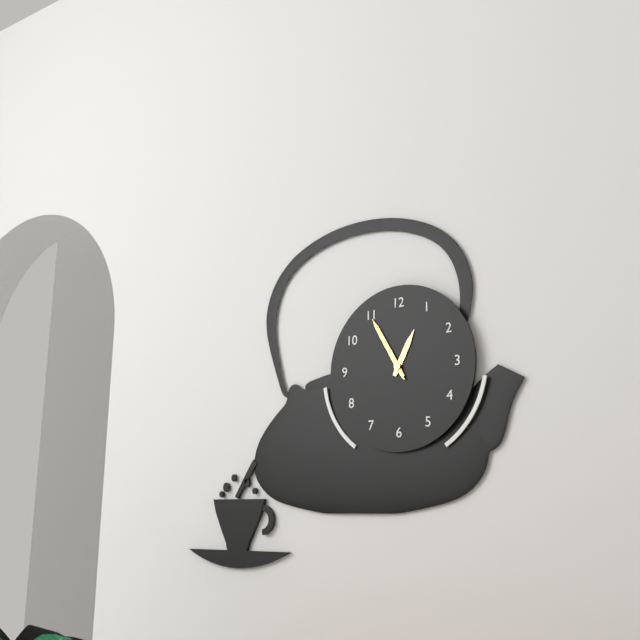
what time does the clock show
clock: 12:55:55
